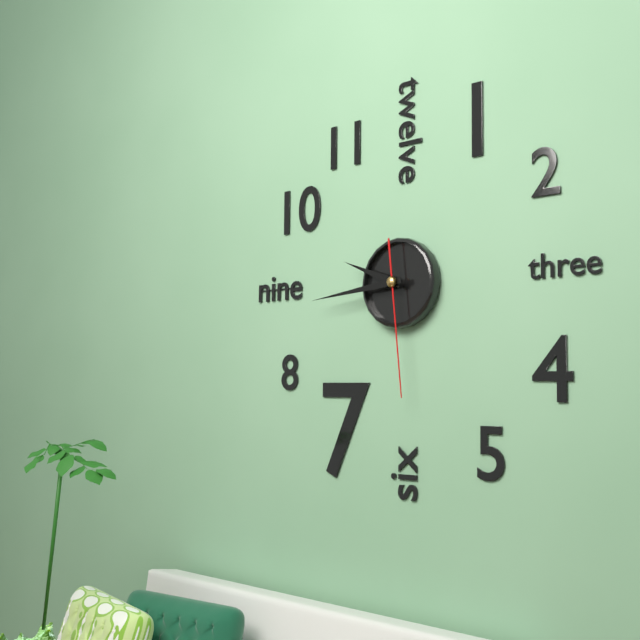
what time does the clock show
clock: 9:44:29
